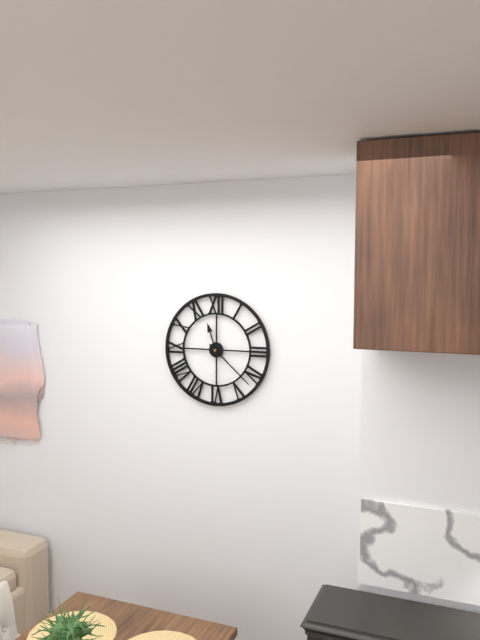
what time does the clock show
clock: 11:22
